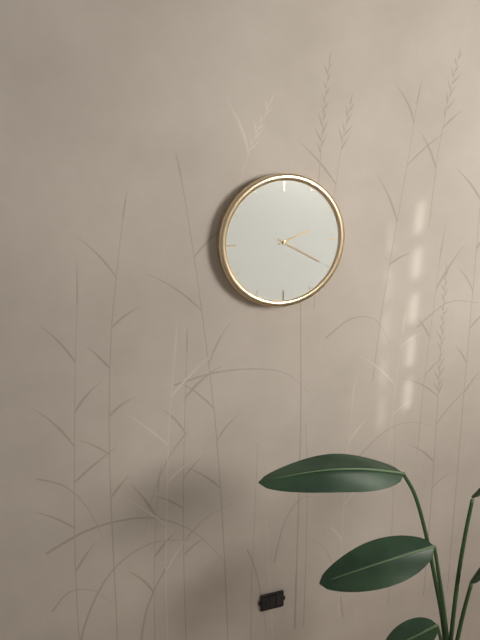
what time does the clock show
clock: 2:20
